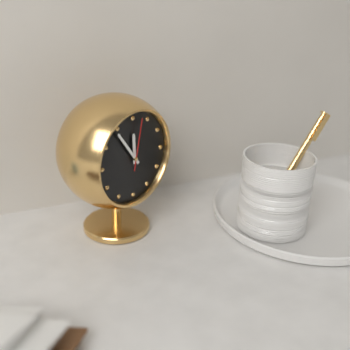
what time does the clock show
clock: 11:54:02
